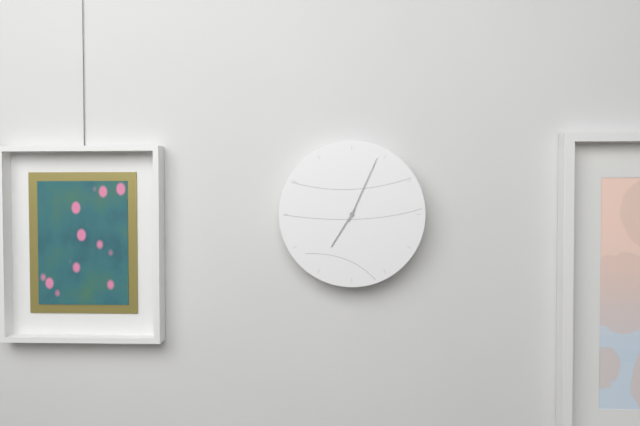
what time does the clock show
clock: 7:04
